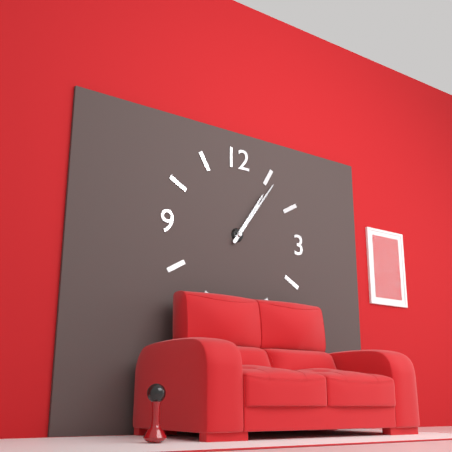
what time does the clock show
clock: 1:06
